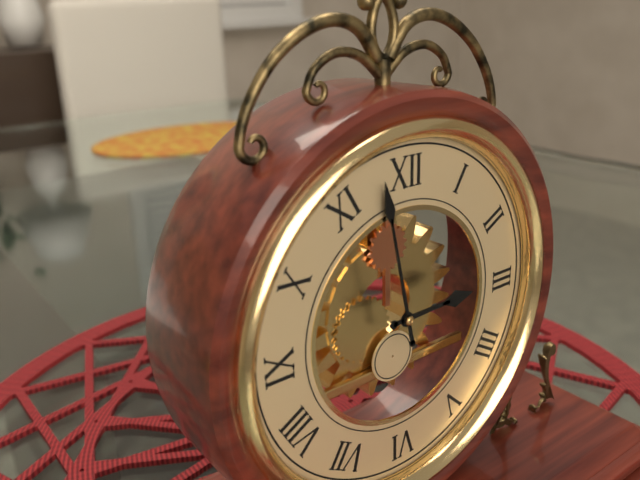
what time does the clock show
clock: 2:58
